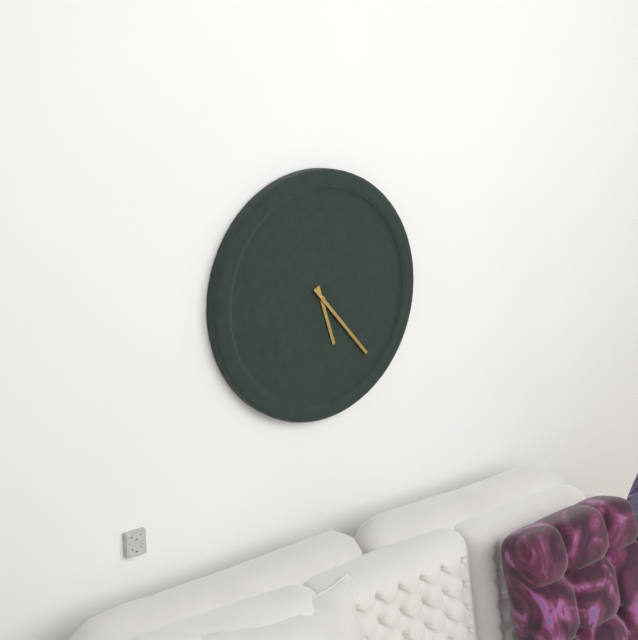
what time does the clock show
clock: 5:23
